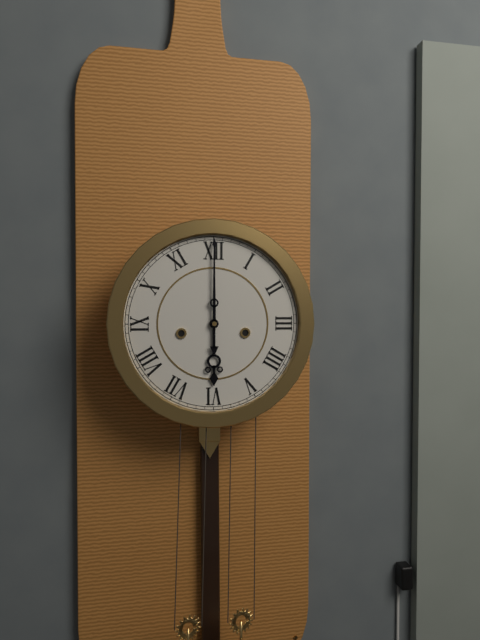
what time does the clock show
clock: 6:00
